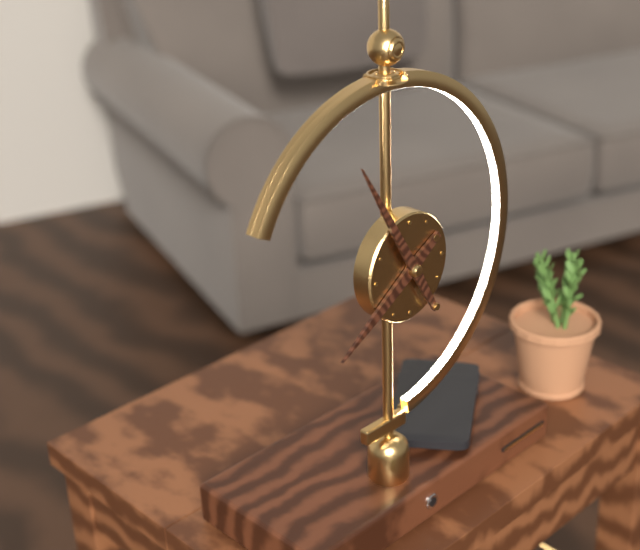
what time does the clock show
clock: 7:55
